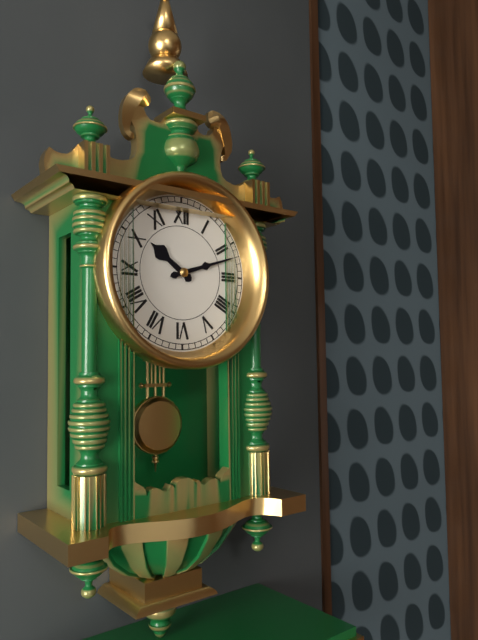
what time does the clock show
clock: 10:12
